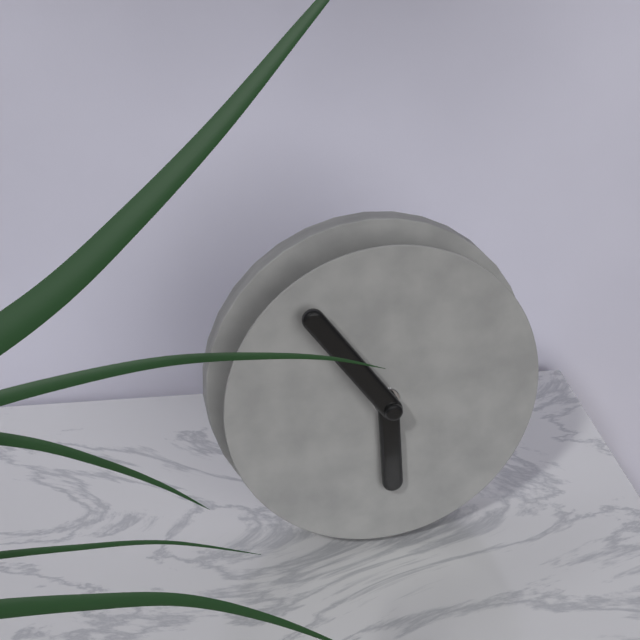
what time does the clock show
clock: 5:54
